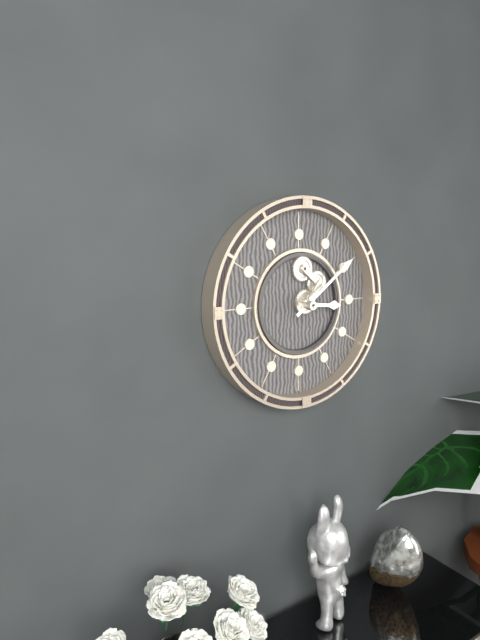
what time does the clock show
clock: 3:09
